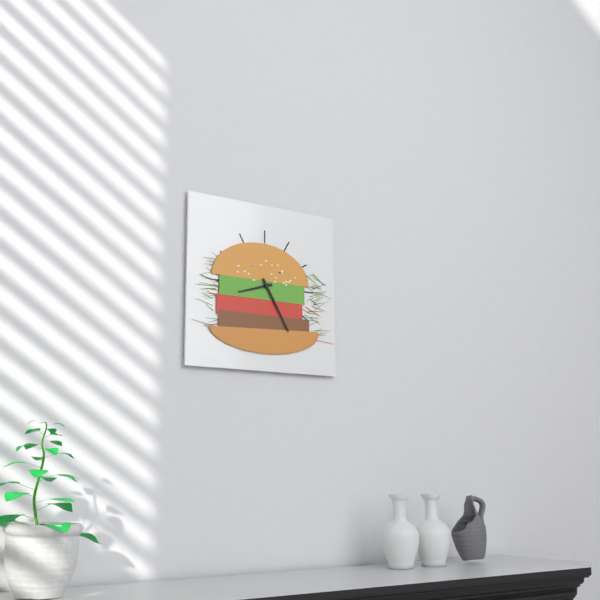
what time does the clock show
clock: 8:25
